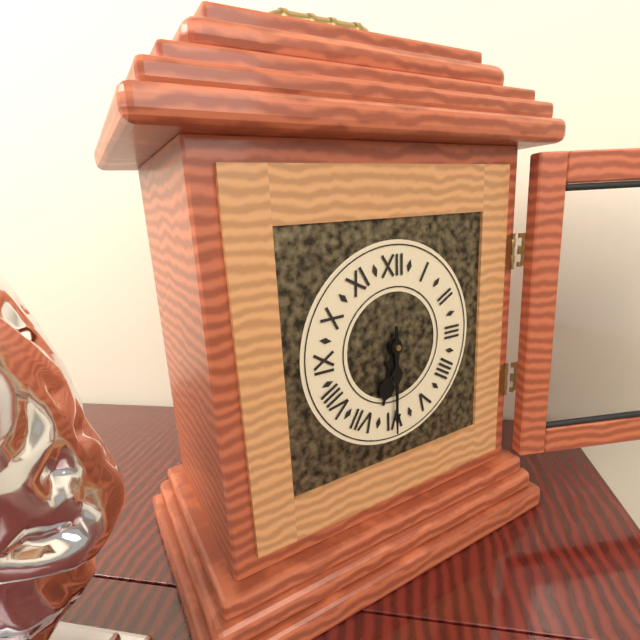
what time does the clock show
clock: 6:30
